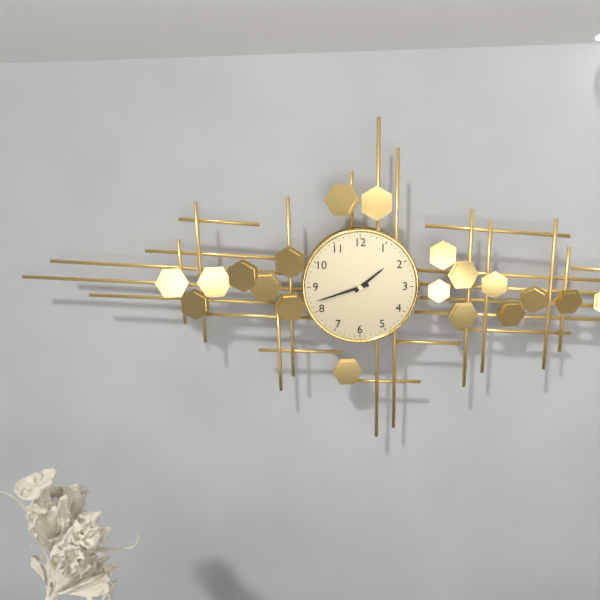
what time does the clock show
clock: 1:42
